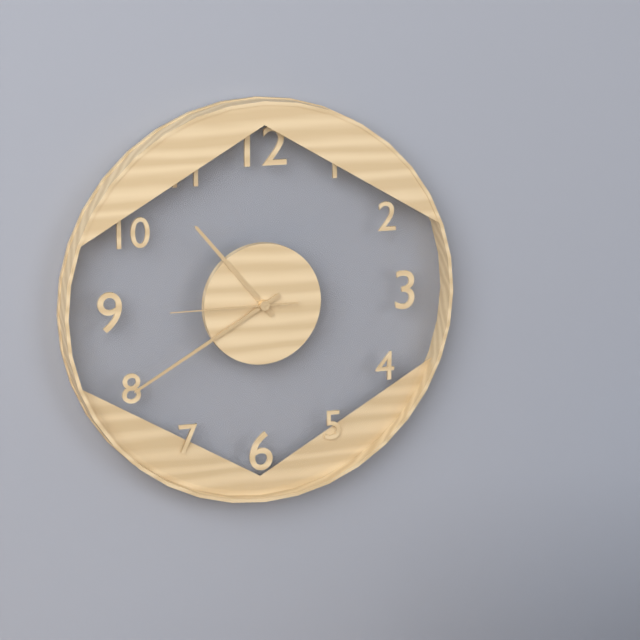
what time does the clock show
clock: 10:40:45
